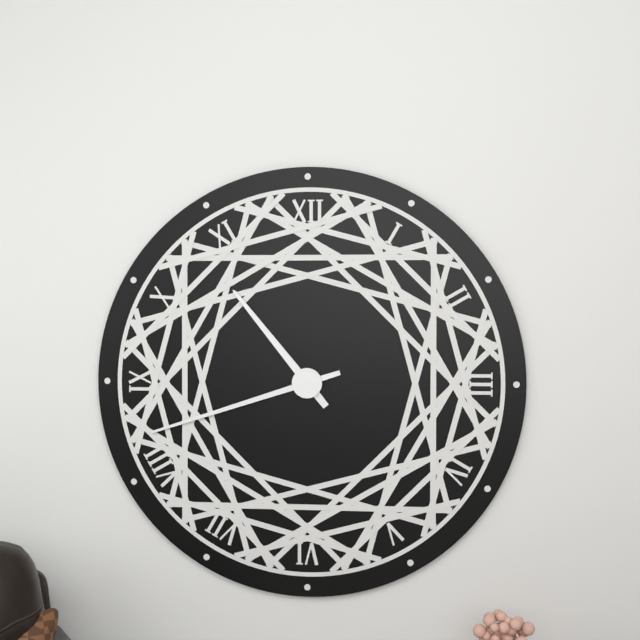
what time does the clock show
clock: 10:42
